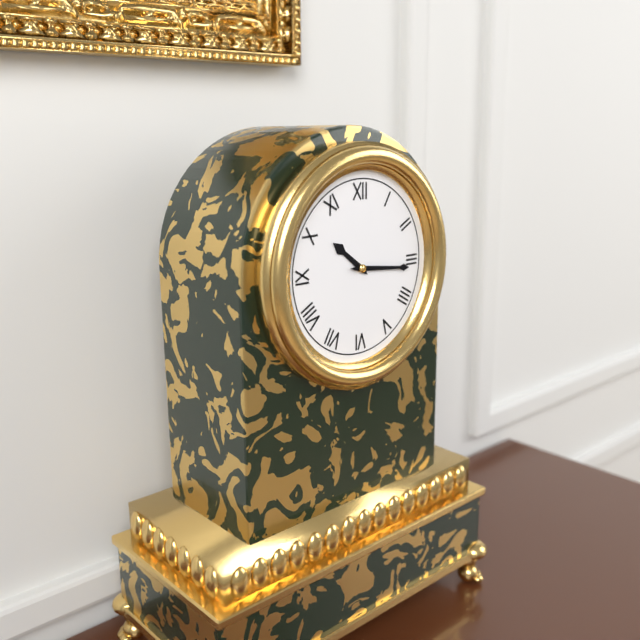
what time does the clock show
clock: 10:16
